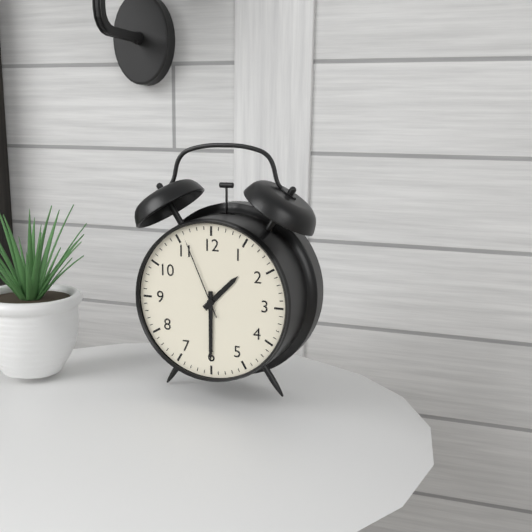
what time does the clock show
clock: 1:30:56
